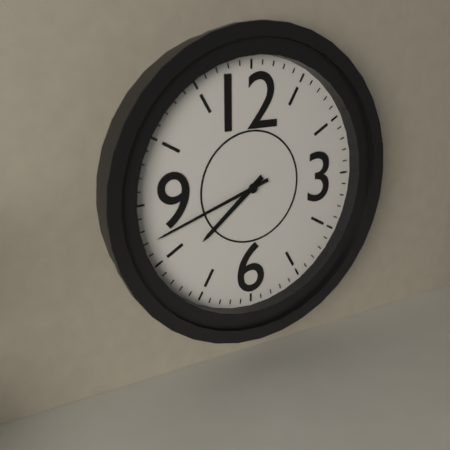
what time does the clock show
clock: 7:42
